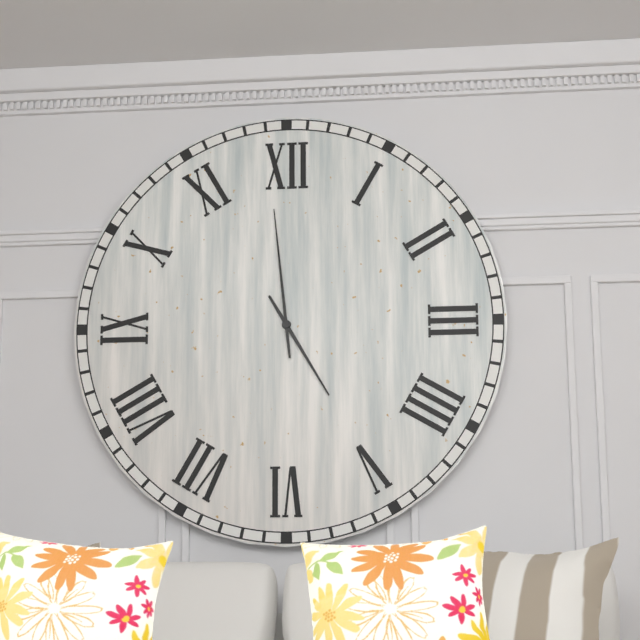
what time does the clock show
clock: 4:59
